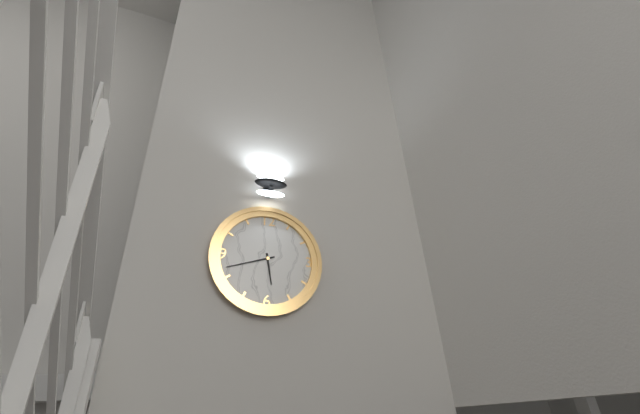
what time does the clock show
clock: 5:42
